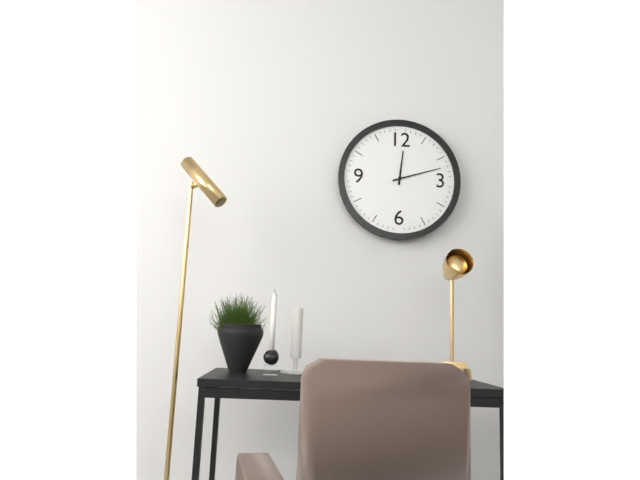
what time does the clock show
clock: 12:12
